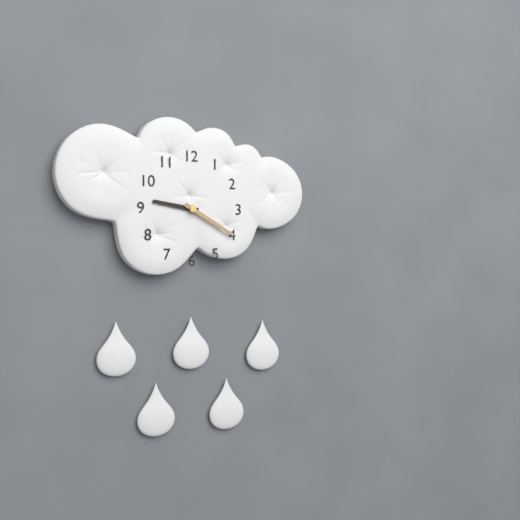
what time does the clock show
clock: 9:20
